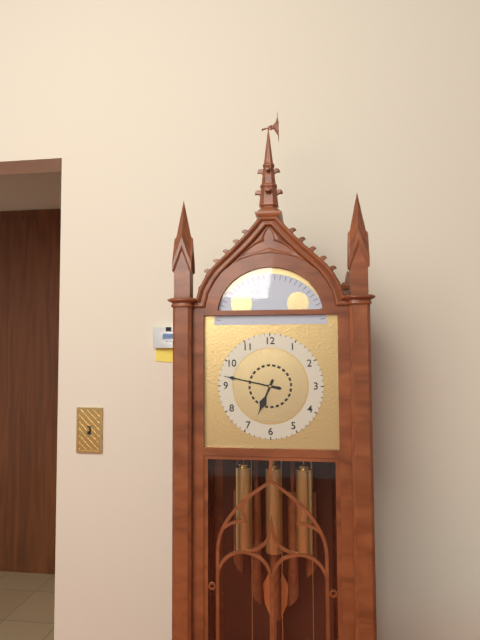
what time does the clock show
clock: 6:47
